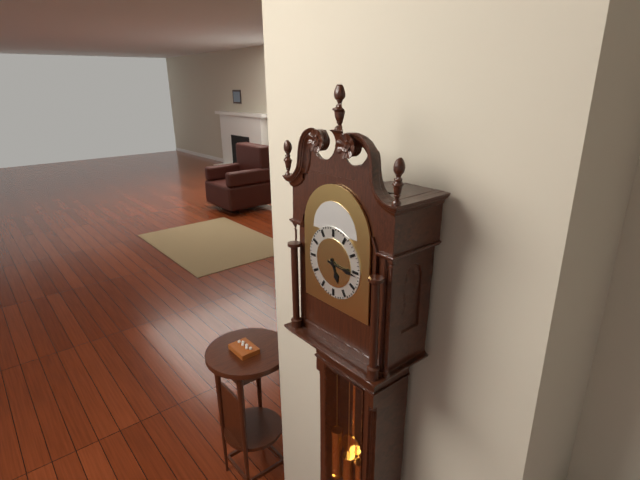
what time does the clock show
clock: 5:16
